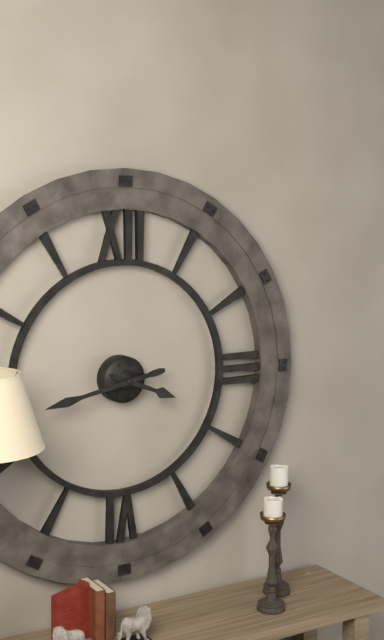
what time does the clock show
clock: 3:43
